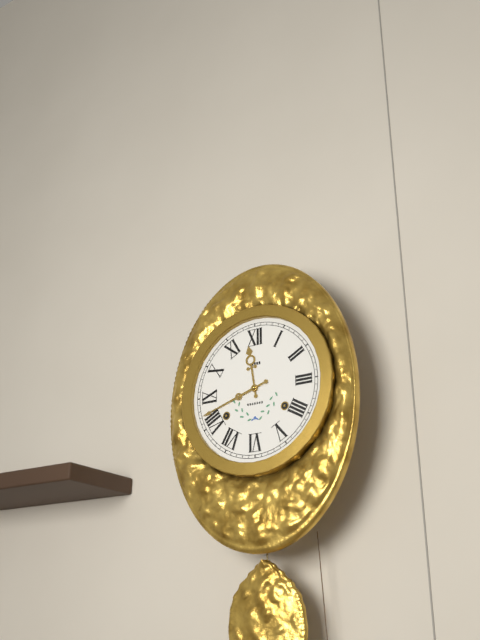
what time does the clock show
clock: 11:42
